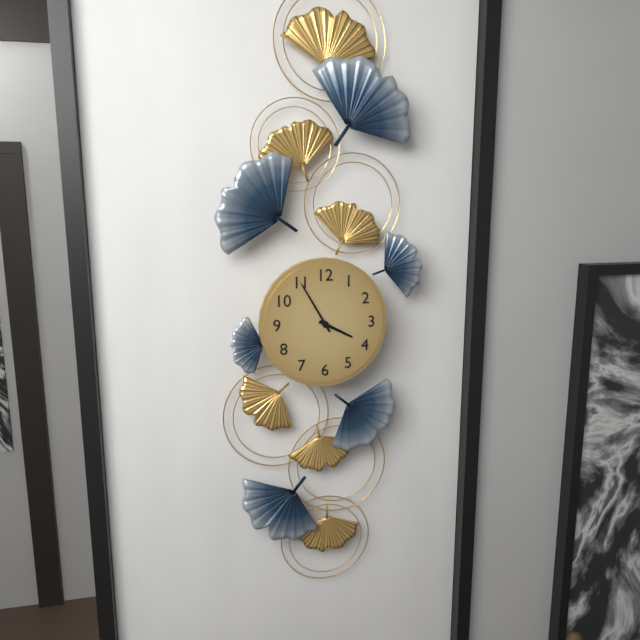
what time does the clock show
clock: 3:55
